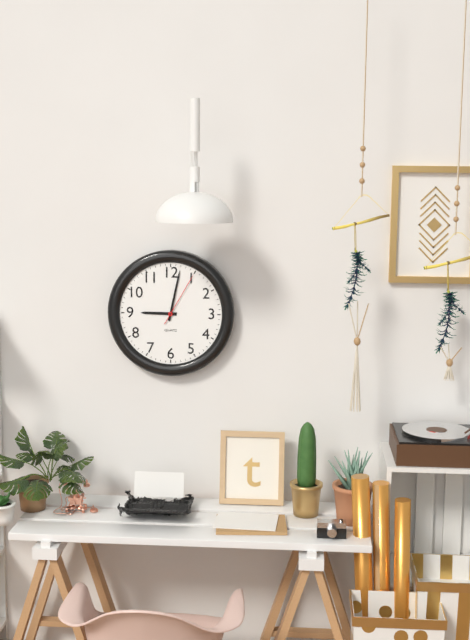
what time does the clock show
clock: 9:02:05
